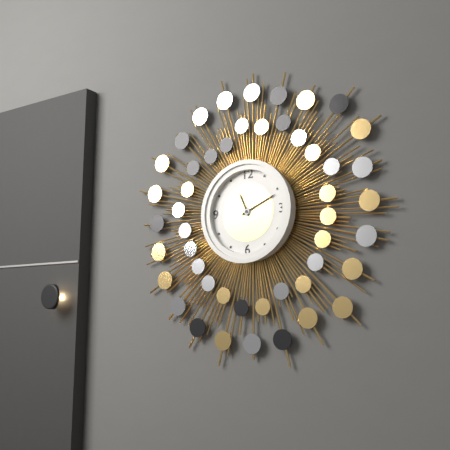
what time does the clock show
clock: 11:11
